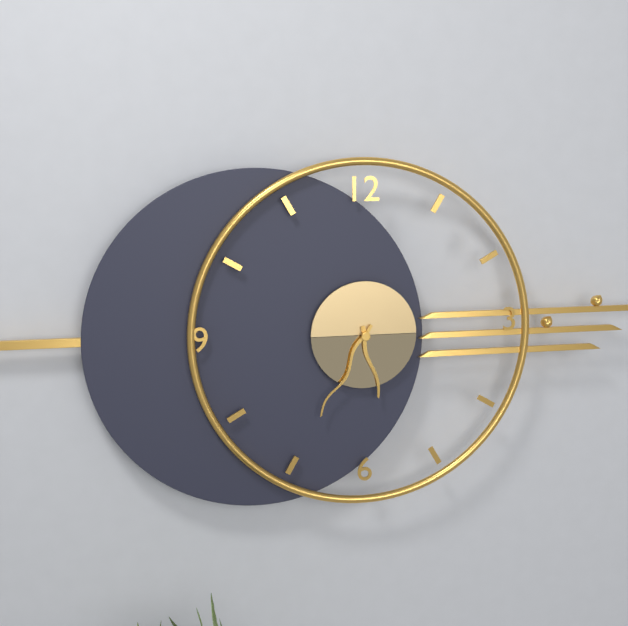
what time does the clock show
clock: 5:35
